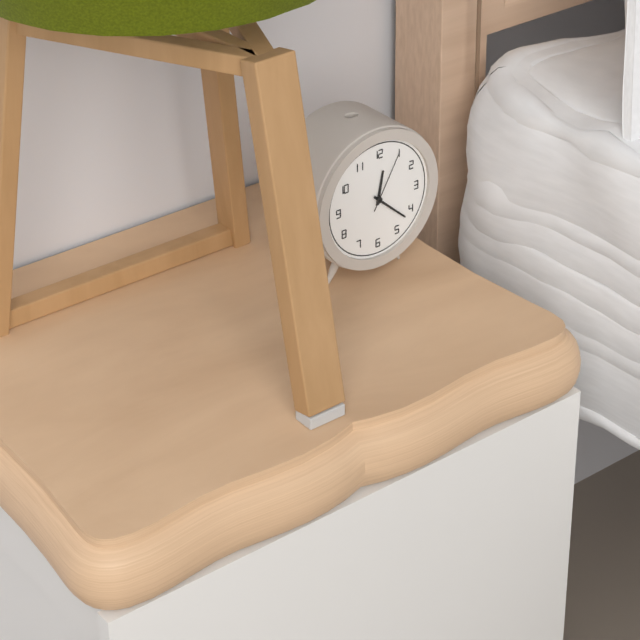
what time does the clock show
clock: 12:22:05
